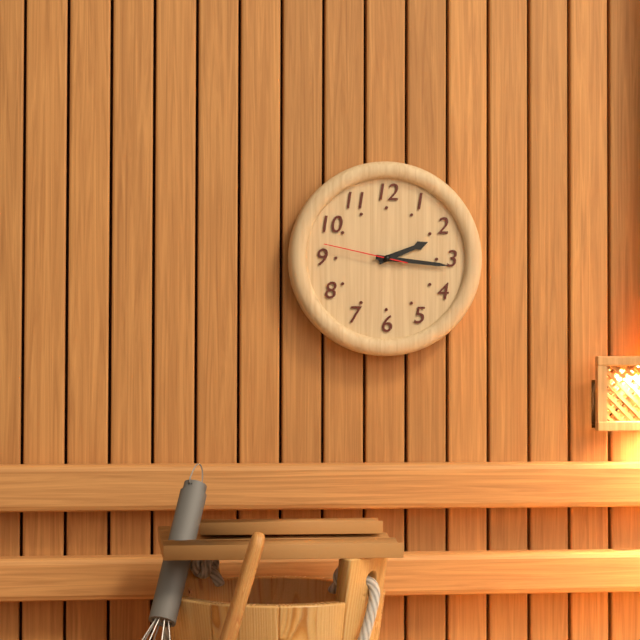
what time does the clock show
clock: 2:16:47
